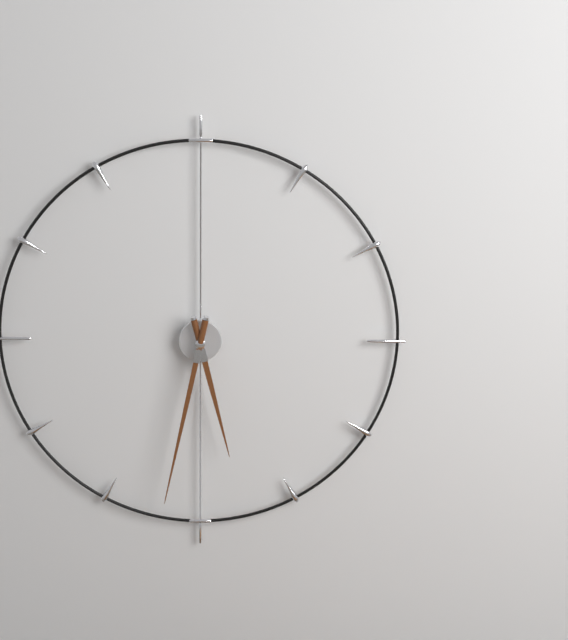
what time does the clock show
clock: 5:32
